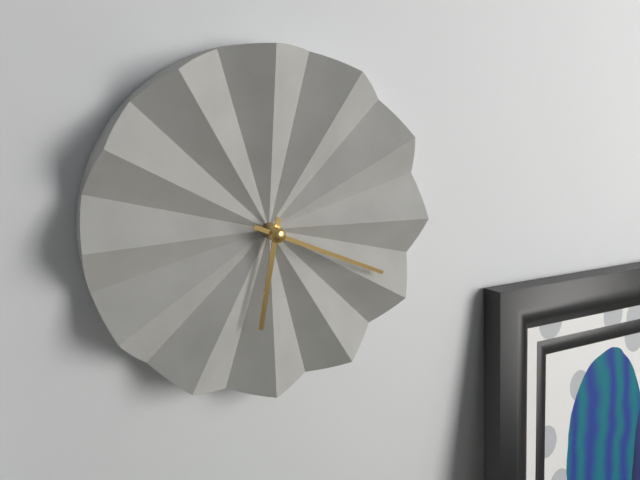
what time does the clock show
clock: 6:19
